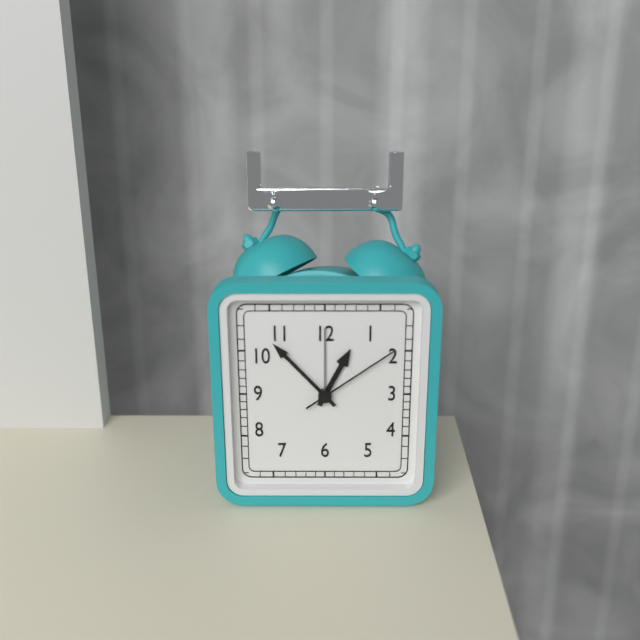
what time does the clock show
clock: 12:53:09
